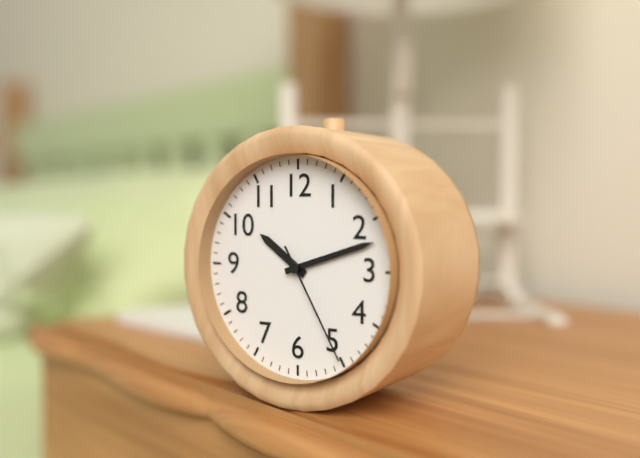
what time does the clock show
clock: 10:12:25
